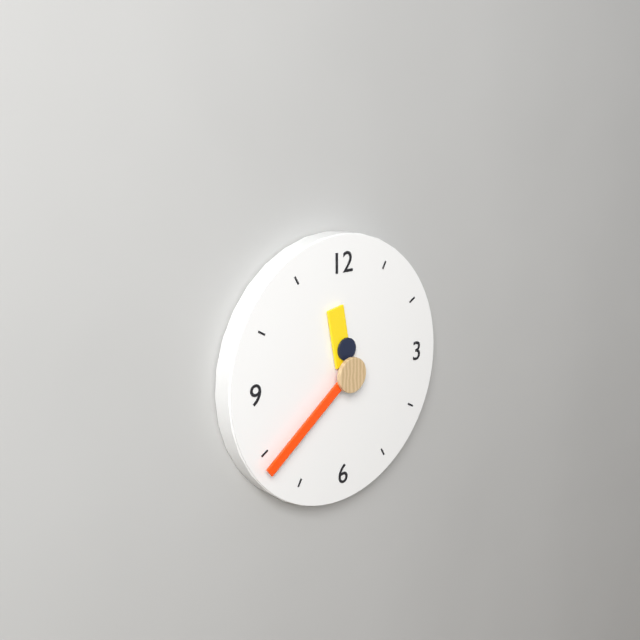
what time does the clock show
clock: 11:39
